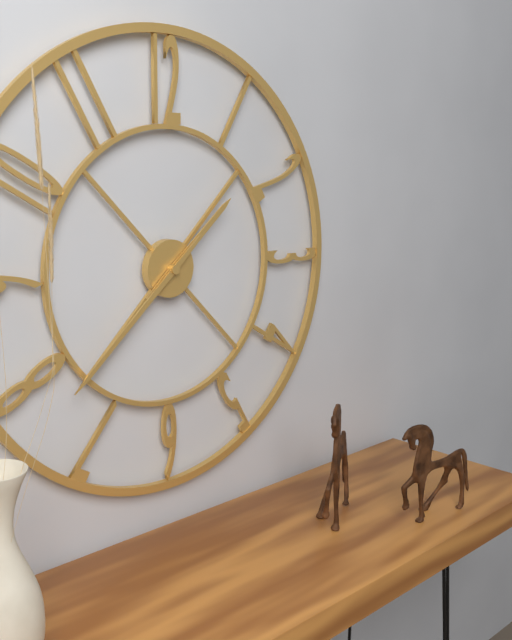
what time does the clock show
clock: 1:38
